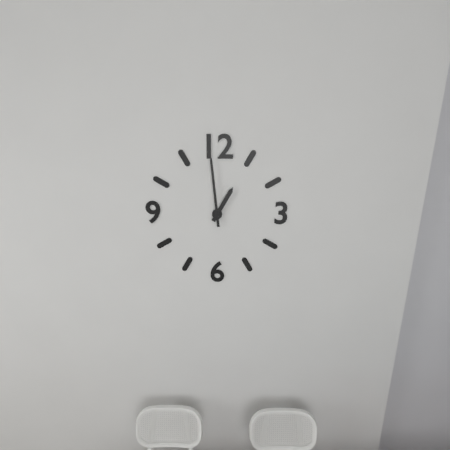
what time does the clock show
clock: 12:59
